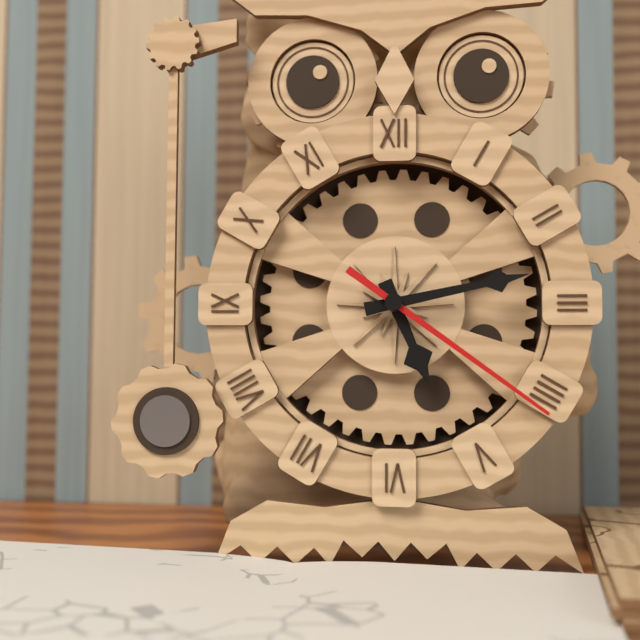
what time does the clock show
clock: 5:13:21
